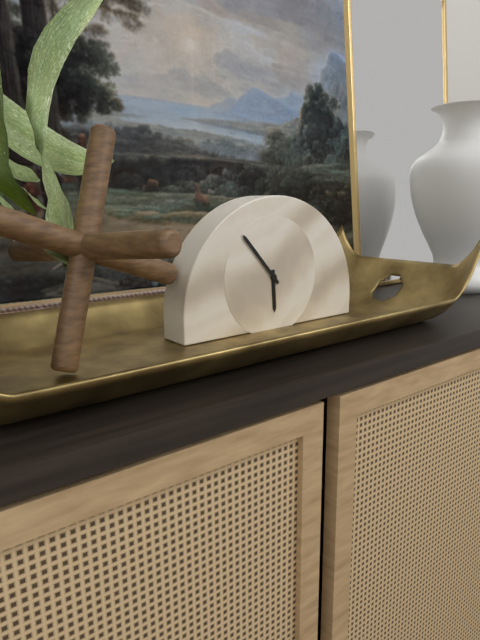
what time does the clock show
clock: 5:53
